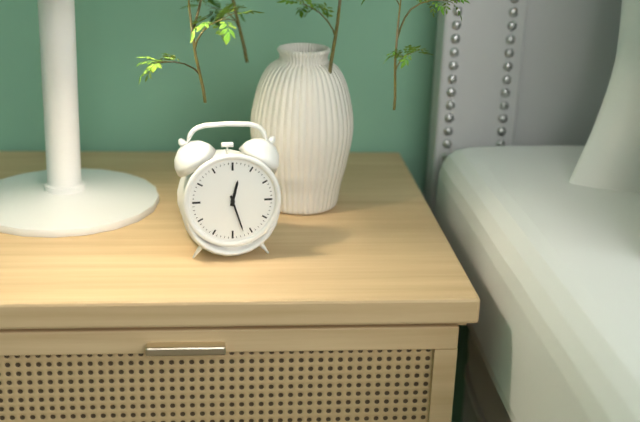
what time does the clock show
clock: 12:27
